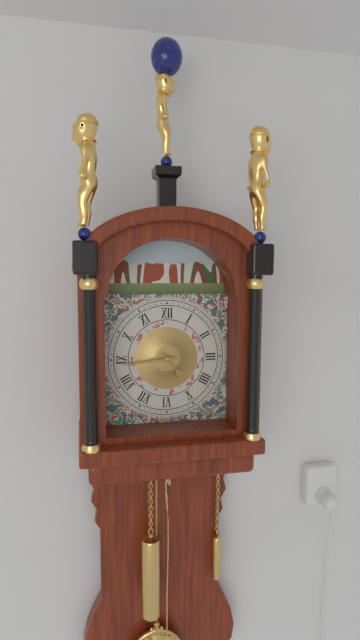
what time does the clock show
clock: 4:44
